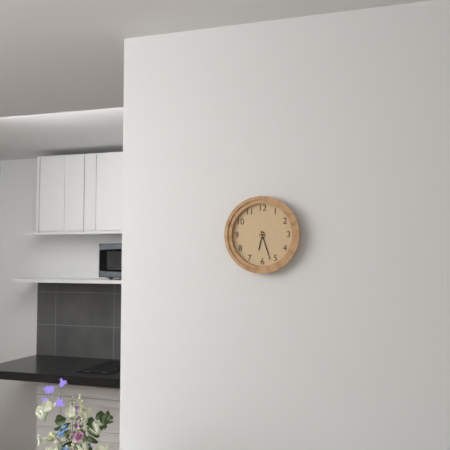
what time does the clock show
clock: 6:27
